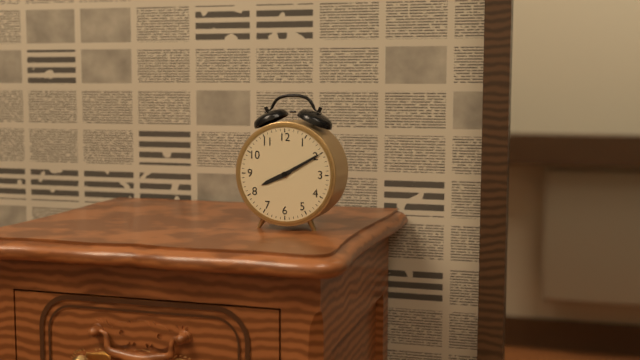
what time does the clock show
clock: 8:10
